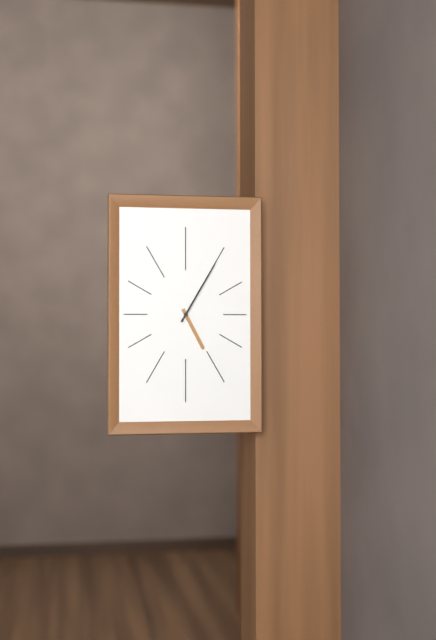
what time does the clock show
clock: 5:05
